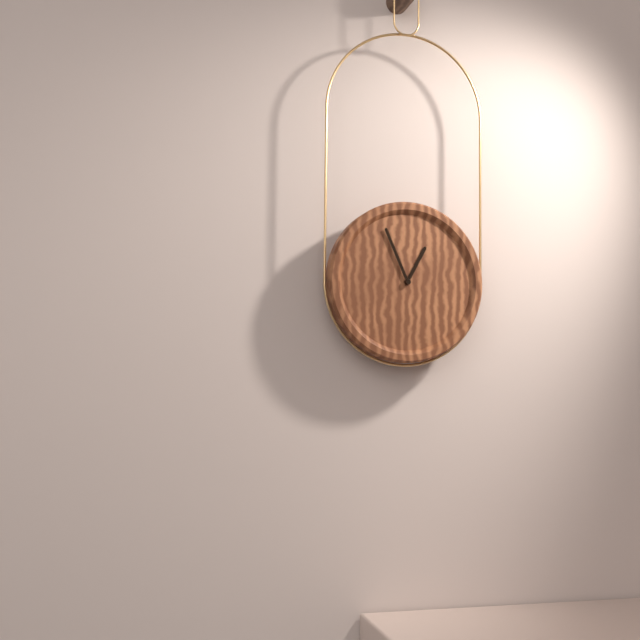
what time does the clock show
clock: 12:56
